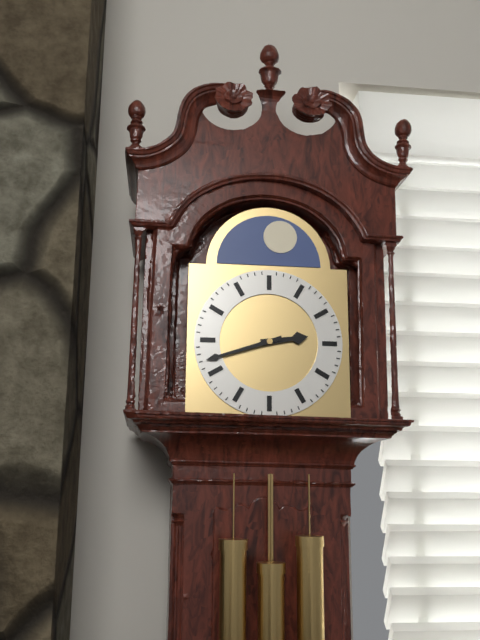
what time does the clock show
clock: 2:42
